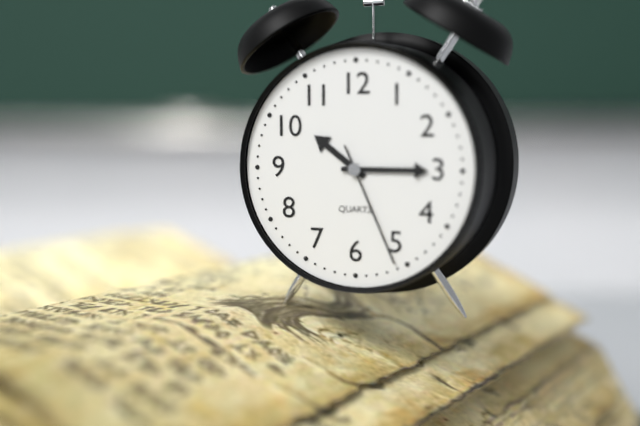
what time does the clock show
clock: 10:15:26
